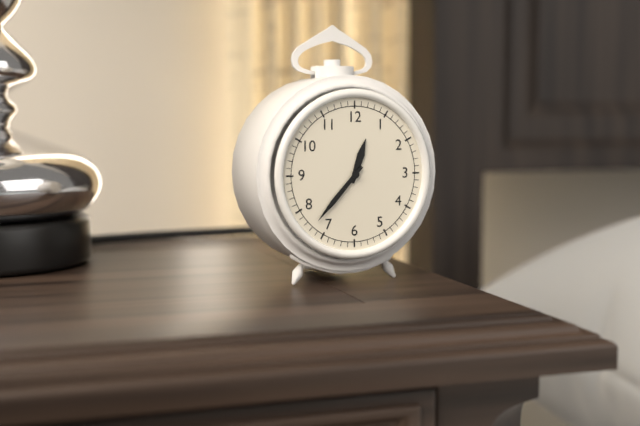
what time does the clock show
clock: 12:37
